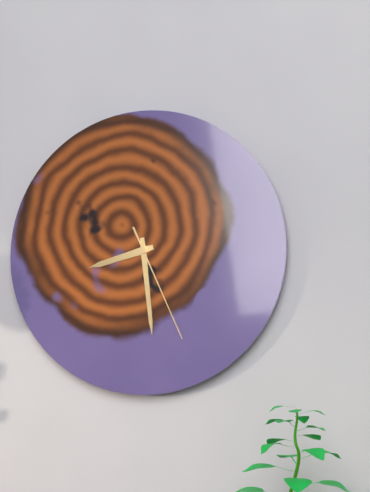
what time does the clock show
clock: 8:29:26
